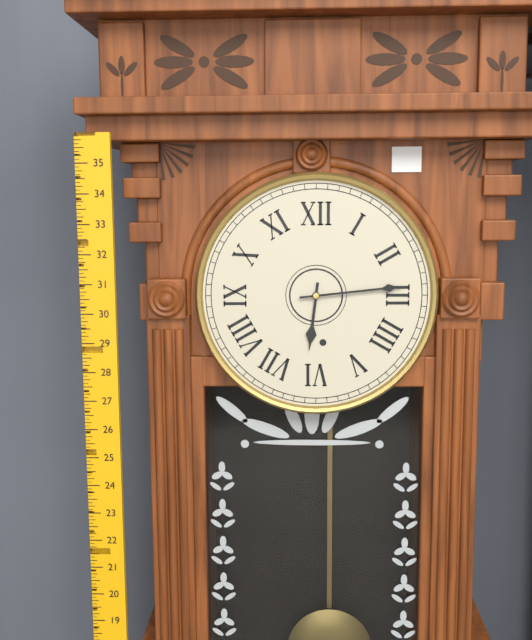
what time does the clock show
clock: 6:14
